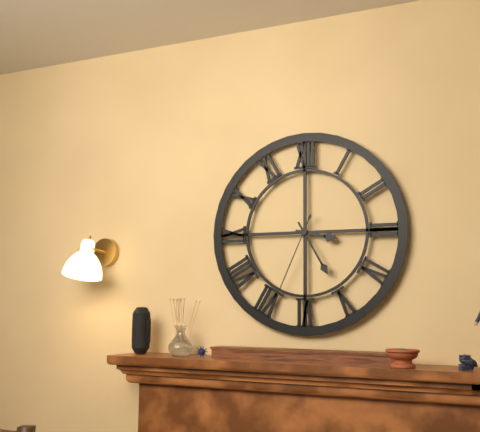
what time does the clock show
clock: 3:25:34
